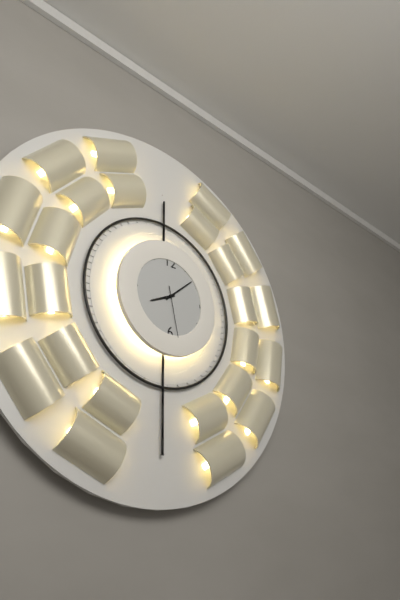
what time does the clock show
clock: 8:08:28
